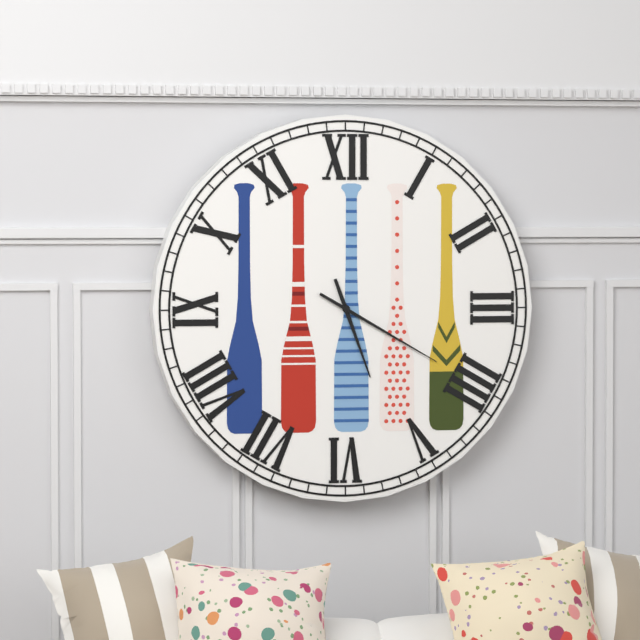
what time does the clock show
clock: 5:20
